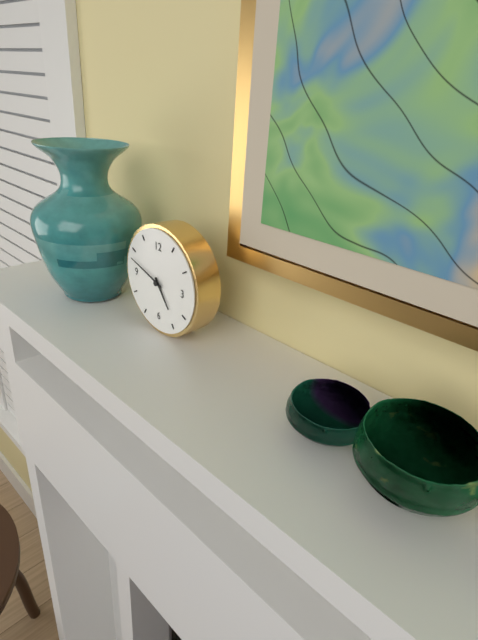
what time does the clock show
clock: 4:48
